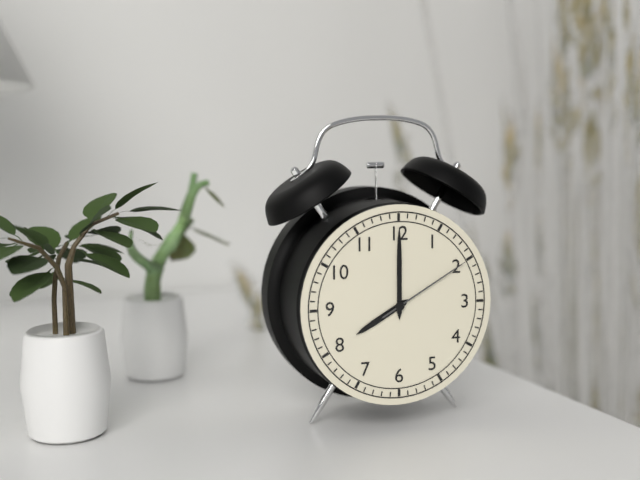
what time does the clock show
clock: 8:00:10
